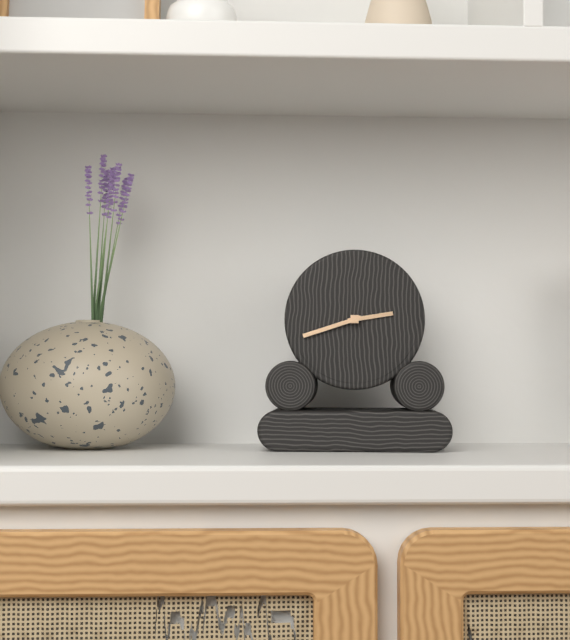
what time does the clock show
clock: 2:42
